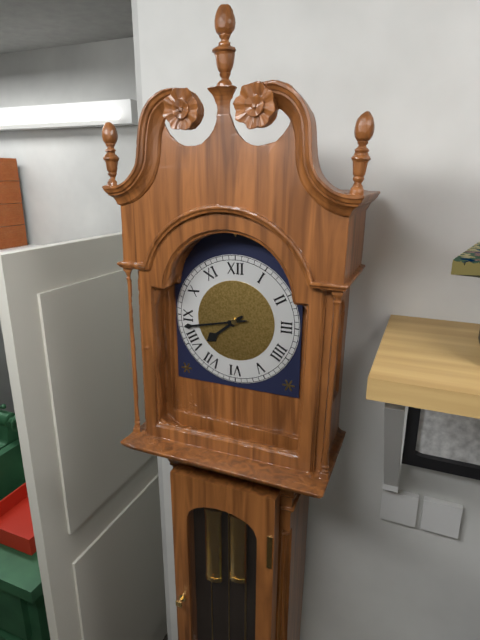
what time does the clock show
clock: 7:43
